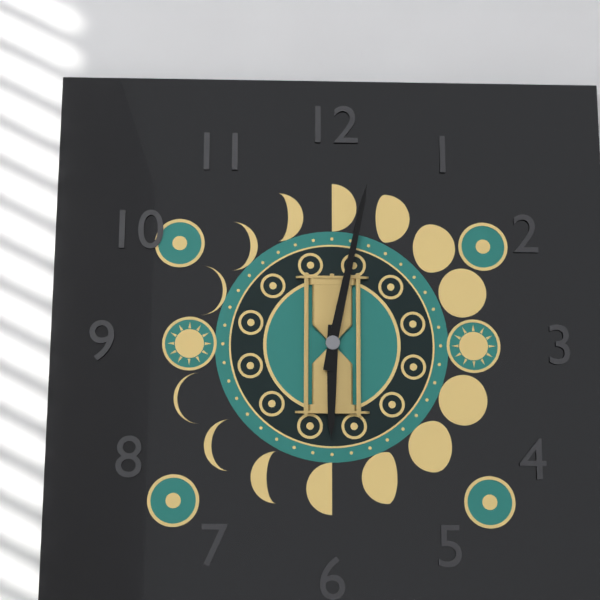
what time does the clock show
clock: 6:02
